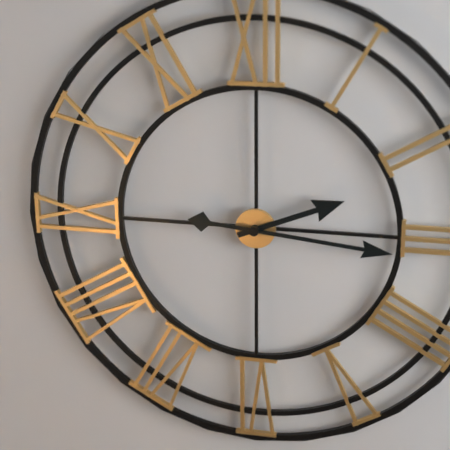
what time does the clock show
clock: 2:16
